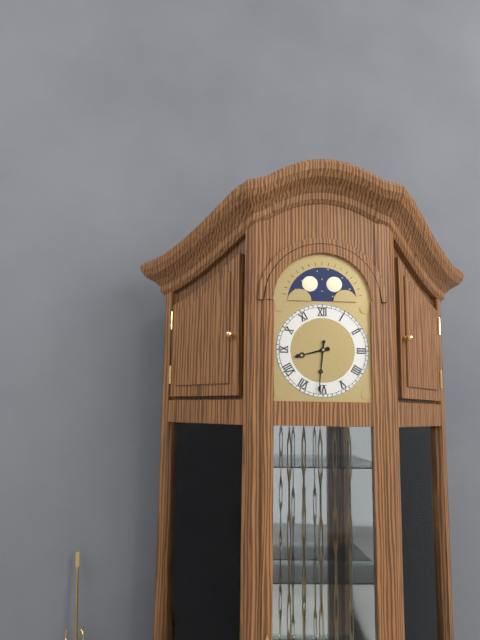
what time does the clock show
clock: 8:31
